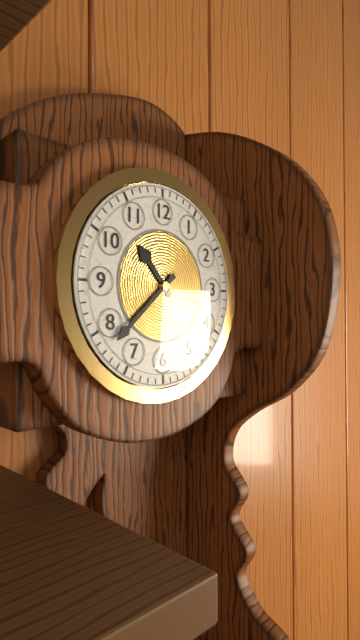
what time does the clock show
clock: 10:38
